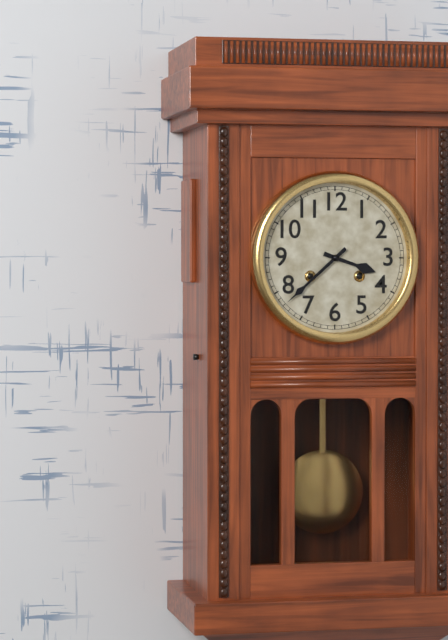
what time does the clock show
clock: 3:38
